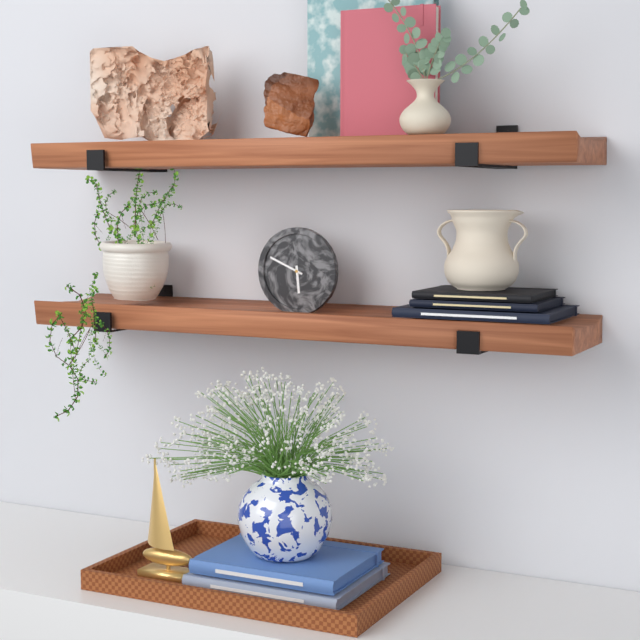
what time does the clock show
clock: 5:49
